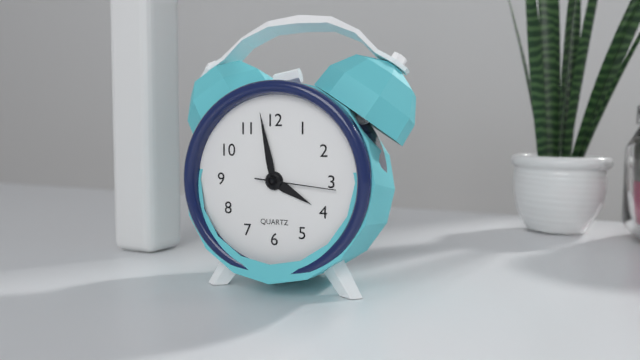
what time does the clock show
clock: 3:58:16
